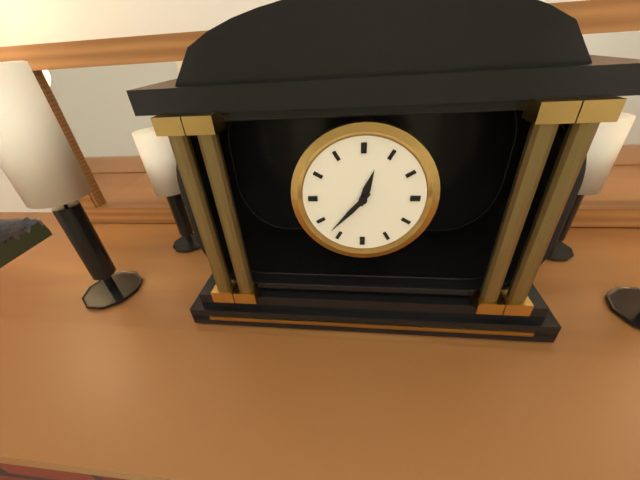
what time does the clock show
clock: 12:37
